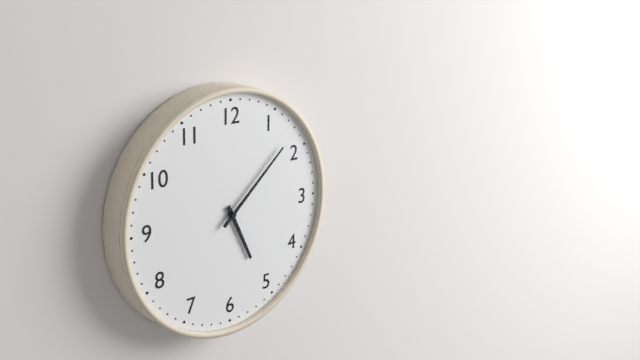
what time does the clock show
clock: 5:08
